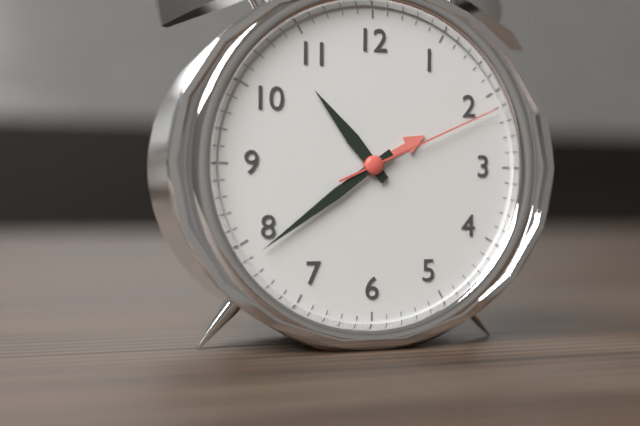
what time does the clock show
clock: 10:39:11
